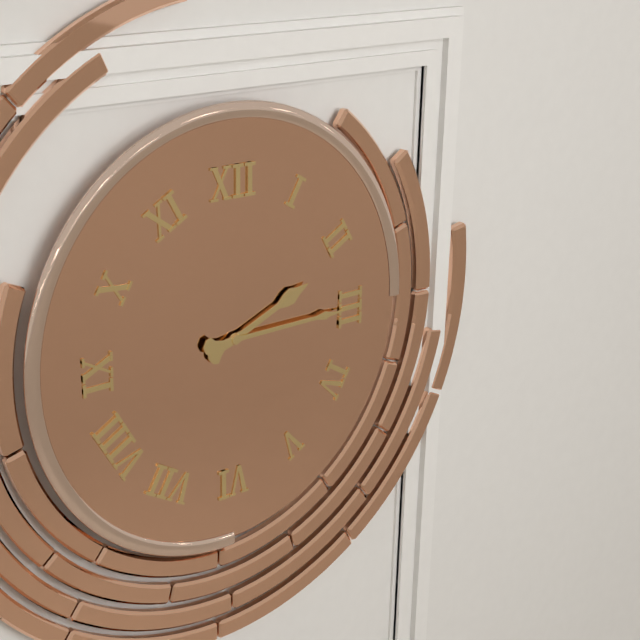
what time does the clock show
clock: 2:15
